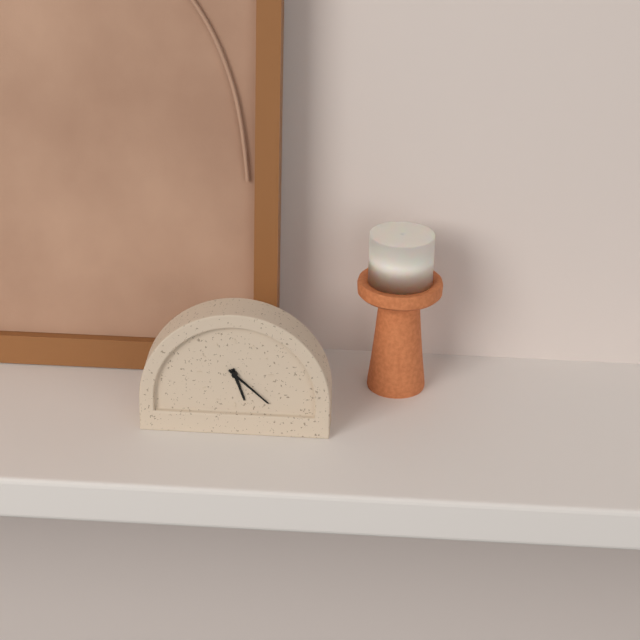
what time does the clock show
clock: 5:22
